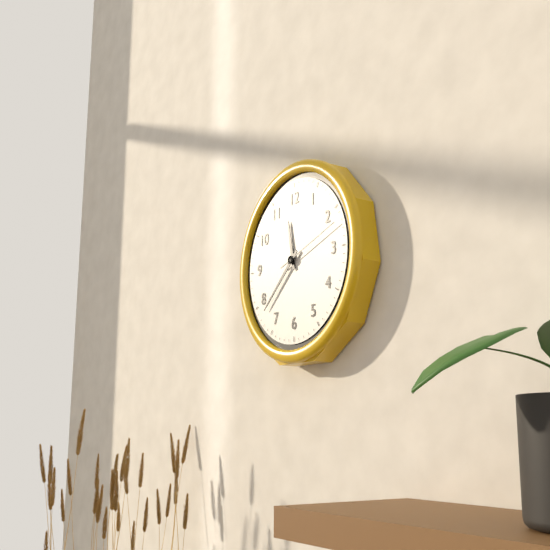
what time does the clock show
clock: 11:38:12
